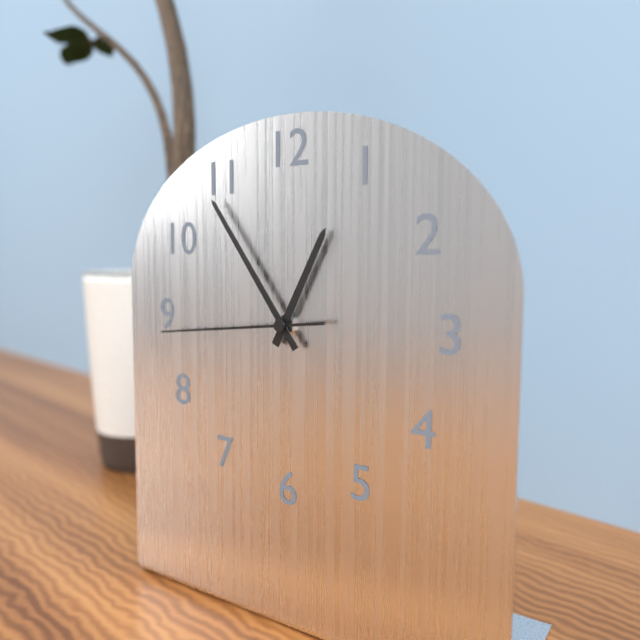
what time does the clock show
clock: 12:54:44
